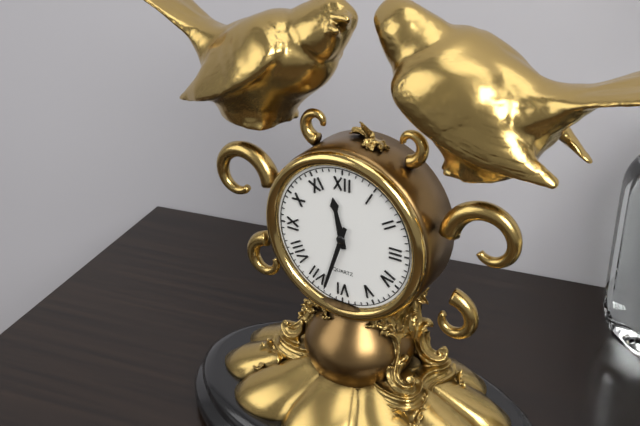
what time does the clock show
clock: 11:33
